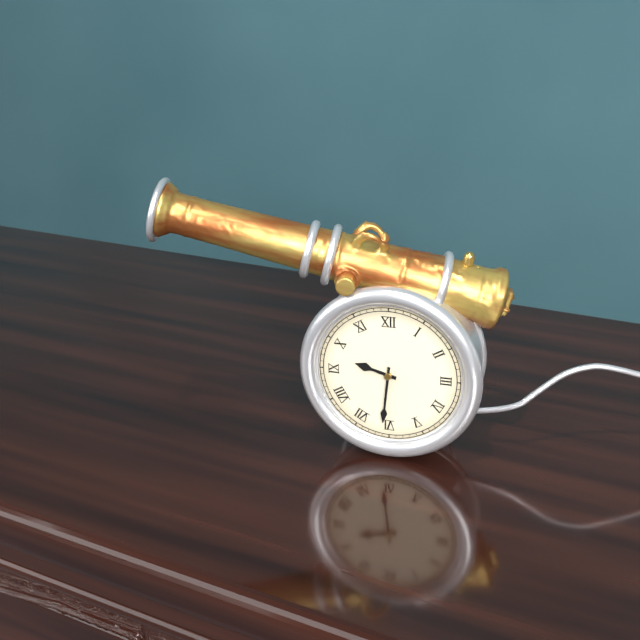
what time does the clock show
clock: 9:31
